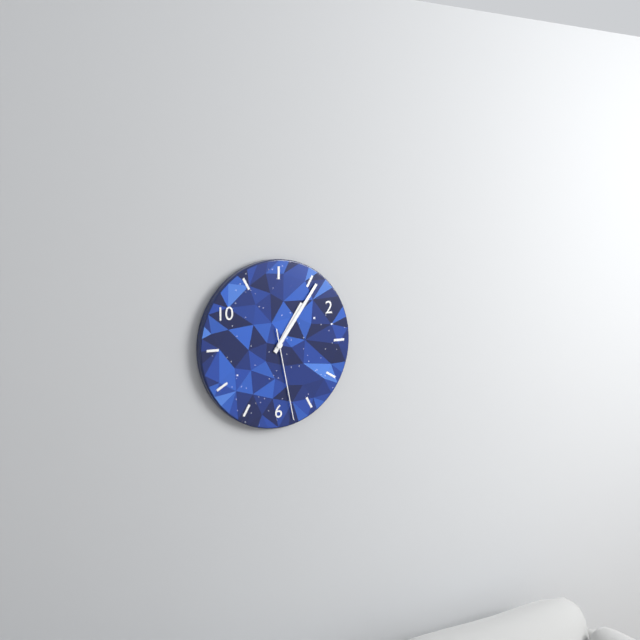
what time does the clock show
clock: 1:06:28
